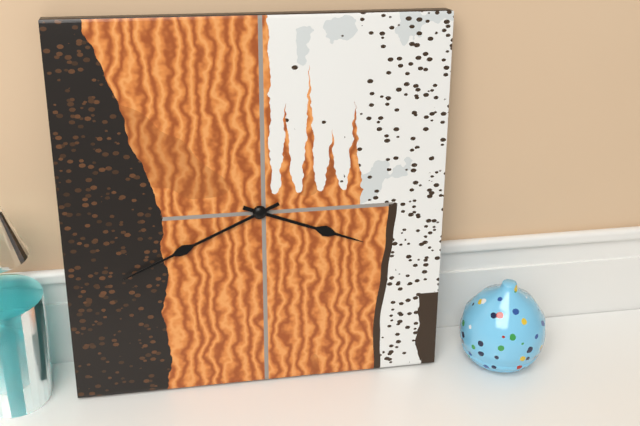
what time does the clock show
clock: 3:41
